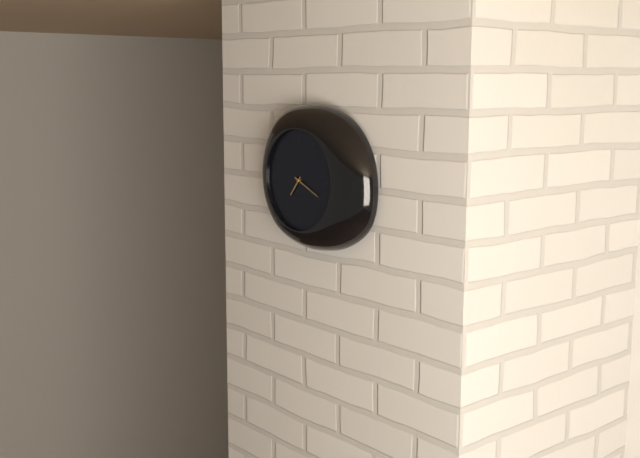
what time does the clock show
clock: 7:19
